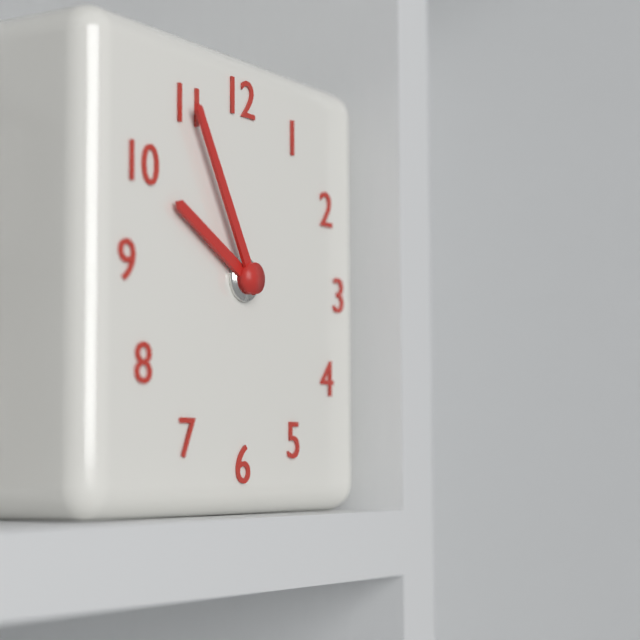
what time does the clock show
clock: 9:55
